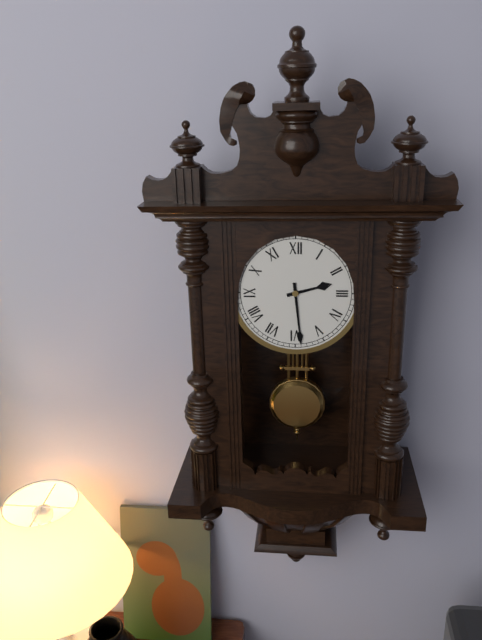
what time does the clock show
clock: 2:29
